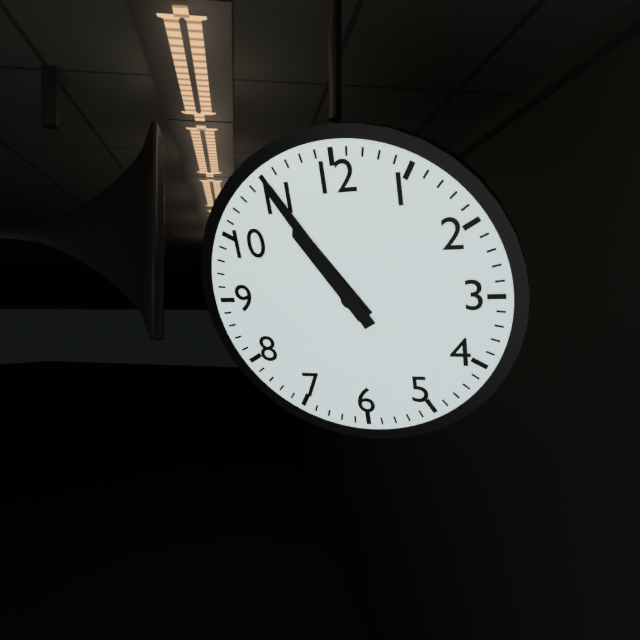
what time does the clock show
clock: 10:55
